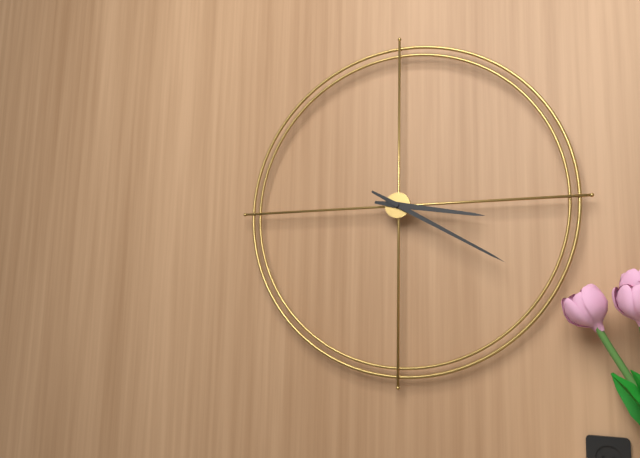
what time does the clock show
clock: 3:20
